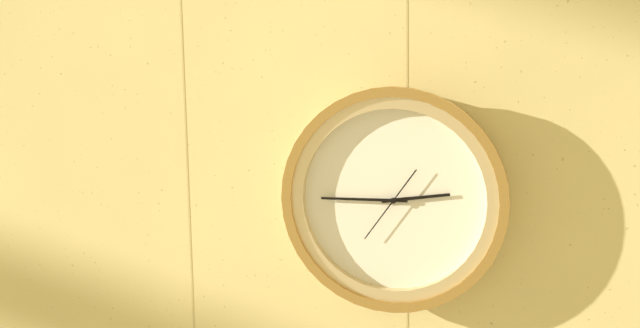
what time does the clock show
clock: 2:45:36
